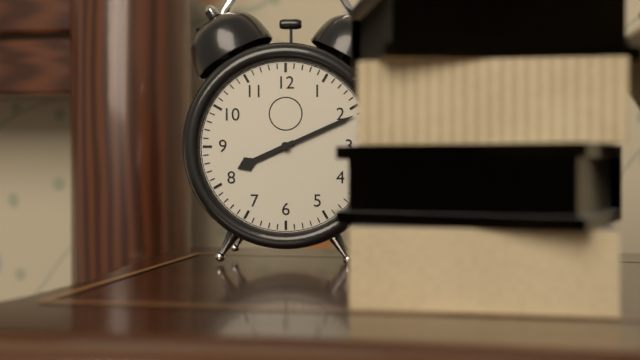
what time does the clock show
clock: 8:11
